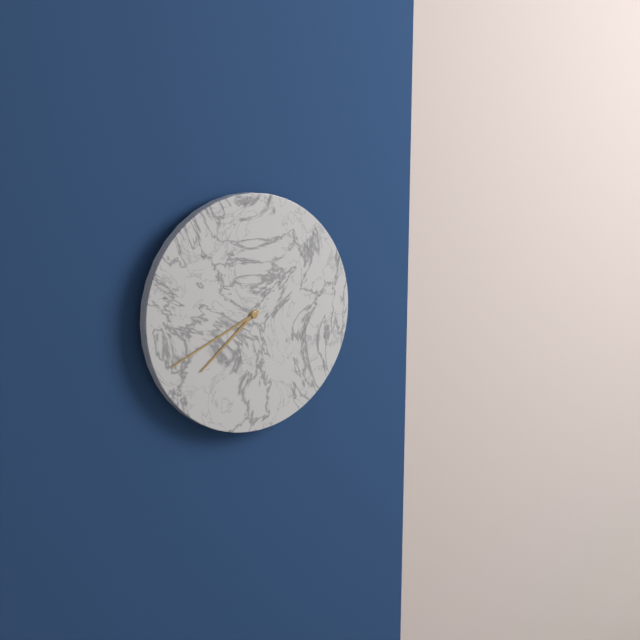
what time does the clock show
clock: 7:41
